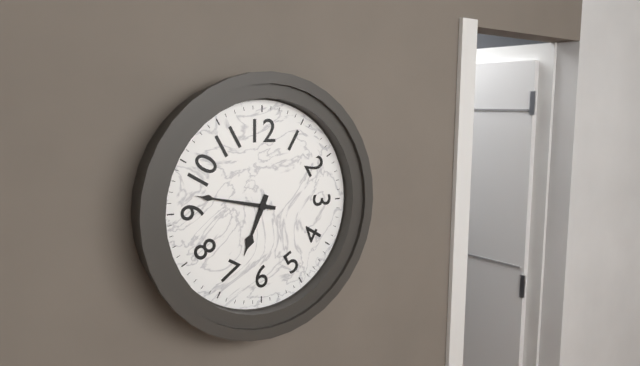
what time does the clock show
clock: 6:47
